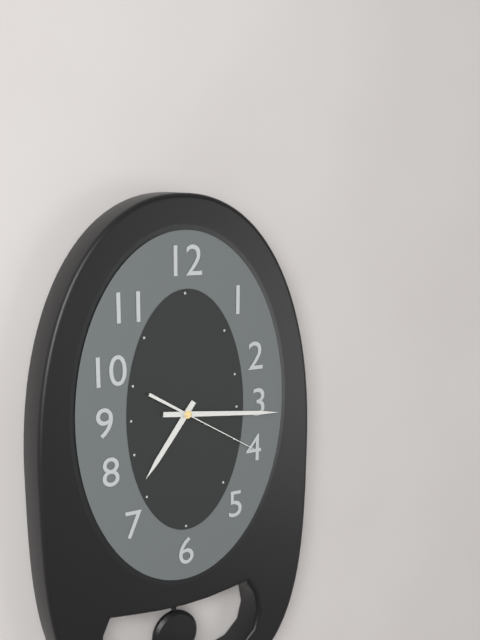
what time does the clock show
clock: 7:16:20
